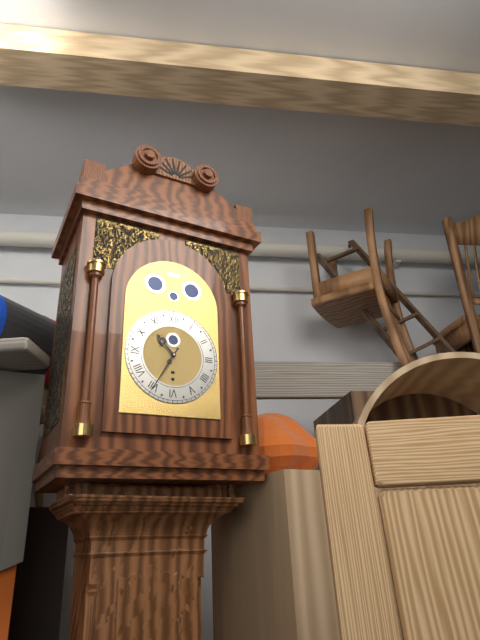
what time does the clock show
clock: 10:35
